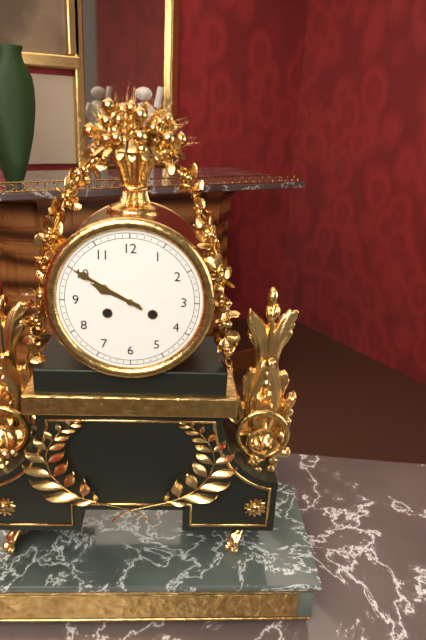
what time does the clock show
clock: 9:50
